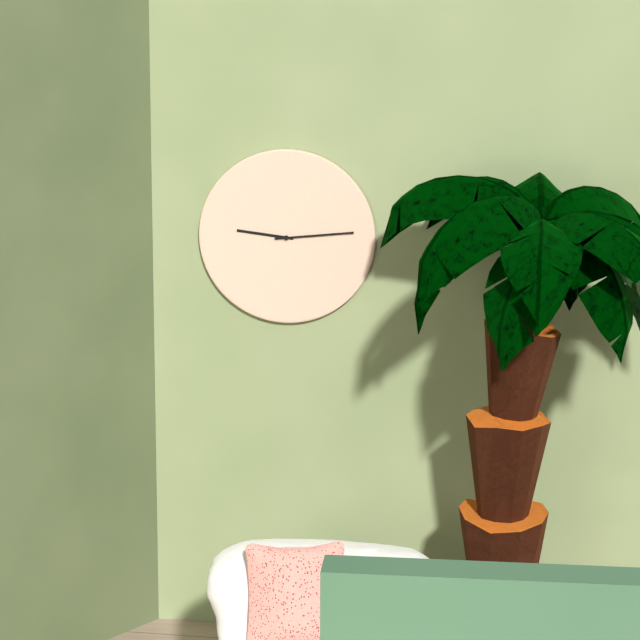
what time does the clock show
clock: 9:14
